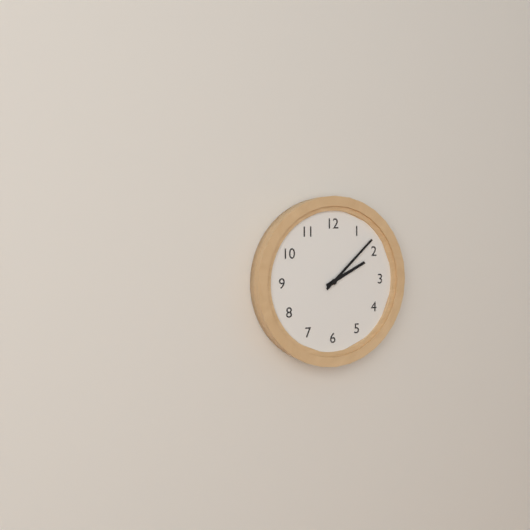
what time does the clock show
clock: 2:08
